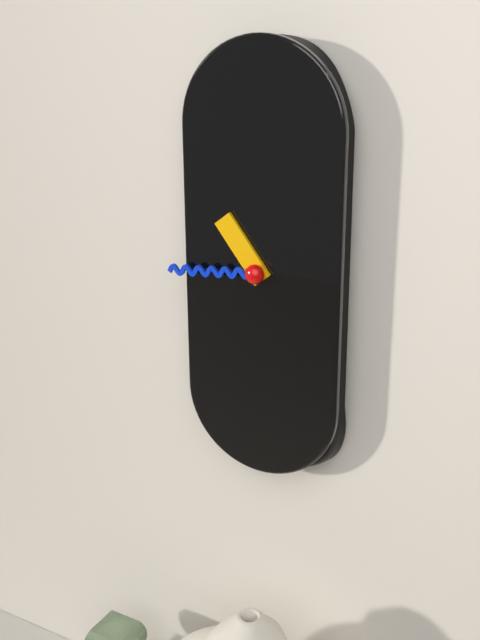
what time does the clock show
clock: 10:44
